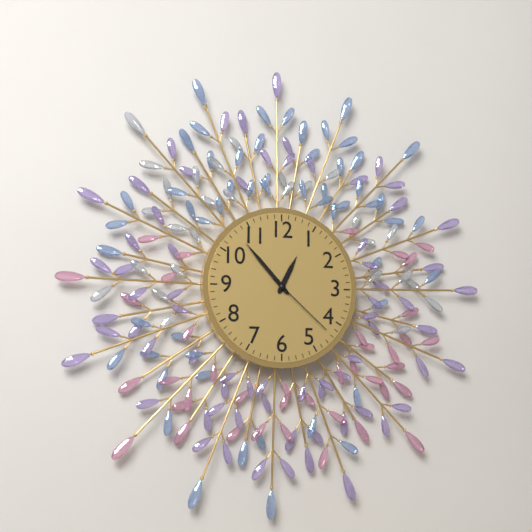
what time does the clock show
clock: 12:53:22
